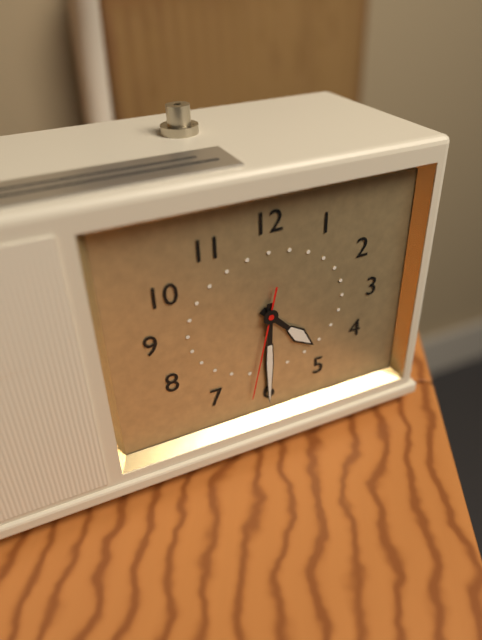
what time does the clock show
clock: 4:30:32
